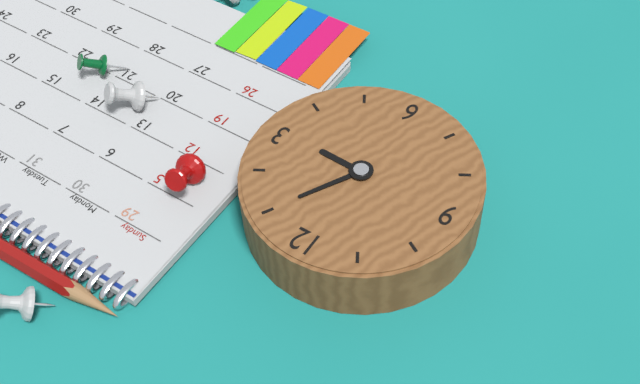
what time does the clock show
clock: 3:05
